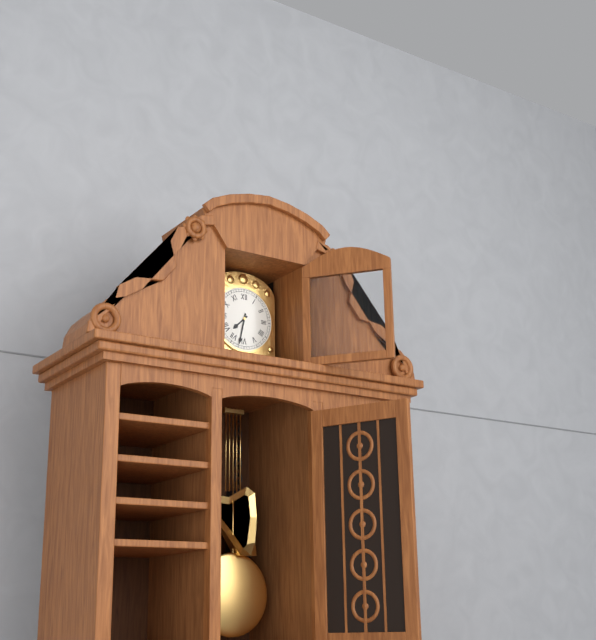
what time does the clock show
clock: 7:32
